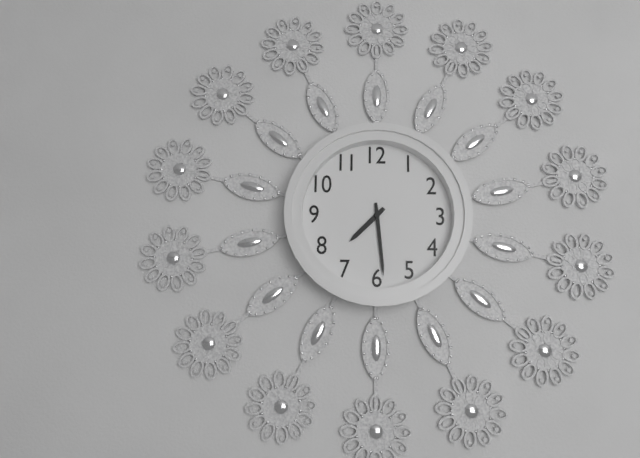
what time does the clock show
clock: 7:29
